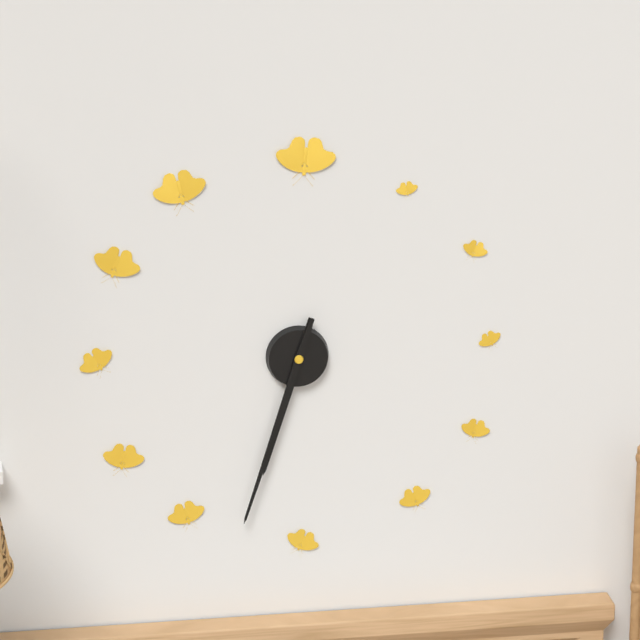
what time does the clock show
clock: 6:33
